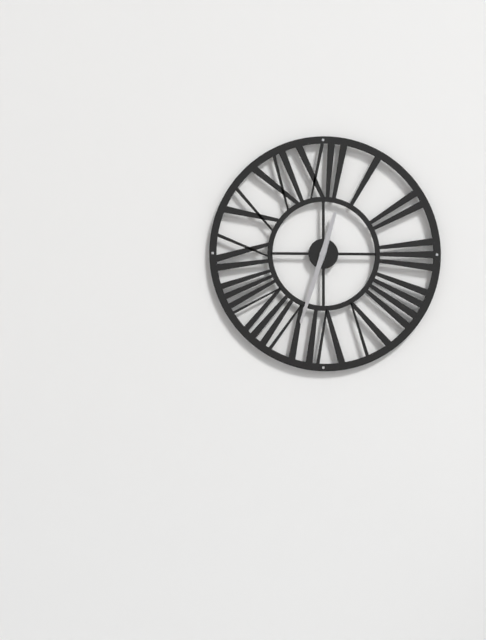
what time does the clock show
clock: 12:33
